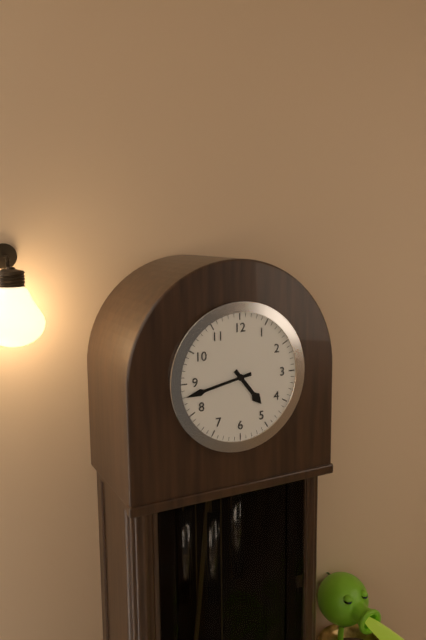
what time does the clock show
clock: 4:43
